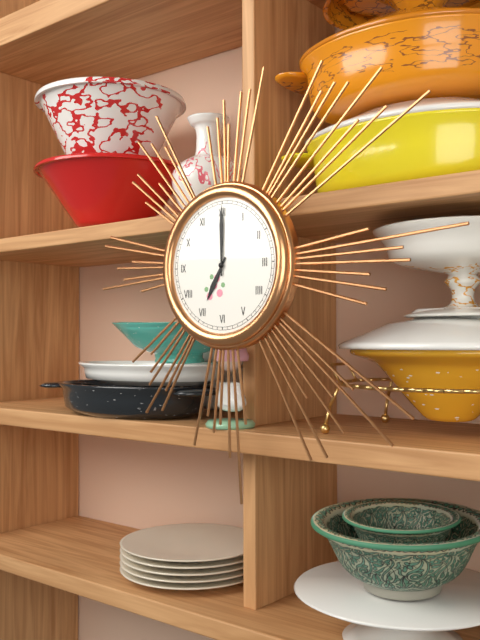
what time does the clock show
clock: 7:00
